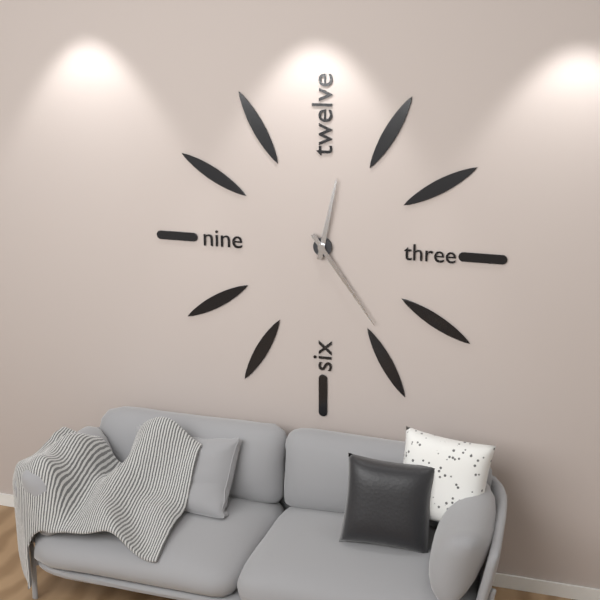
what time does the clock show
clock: 12:24
